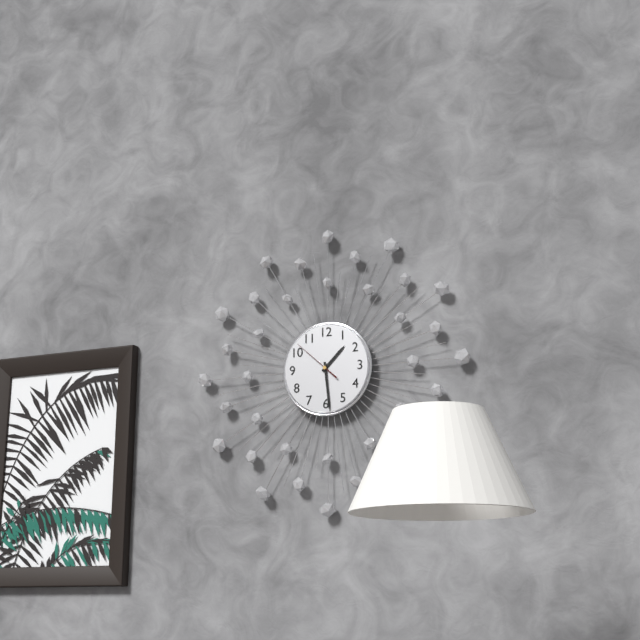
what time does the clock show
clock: 1:29
